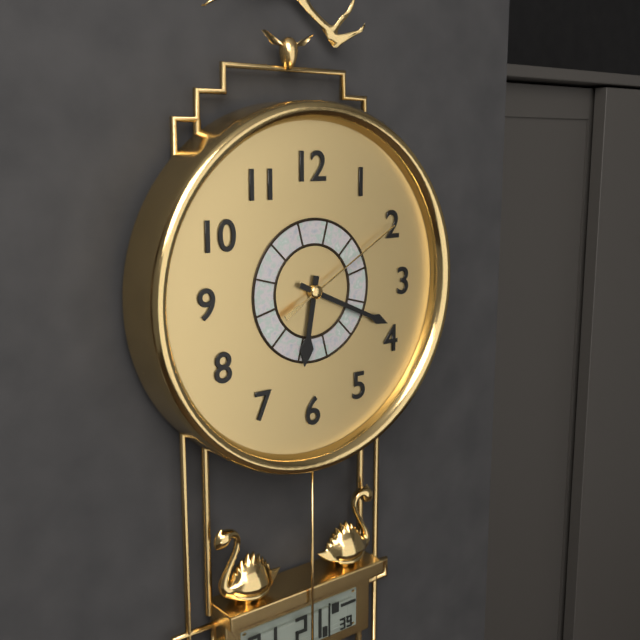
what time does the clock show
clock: 6:19:10
